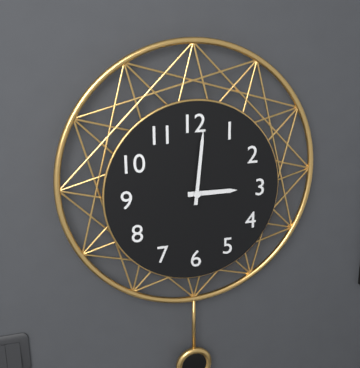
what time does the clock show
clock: 3:01
